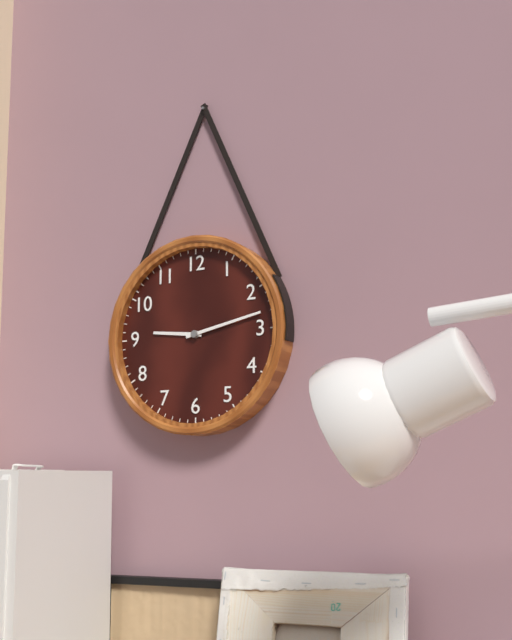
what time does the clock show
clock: 9:13
